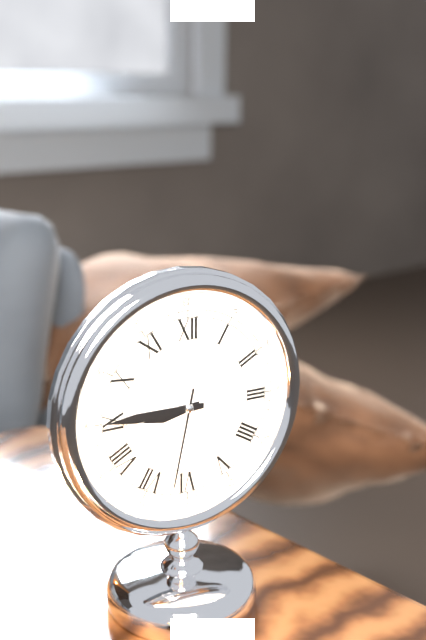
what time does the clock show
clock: 8:45:32
